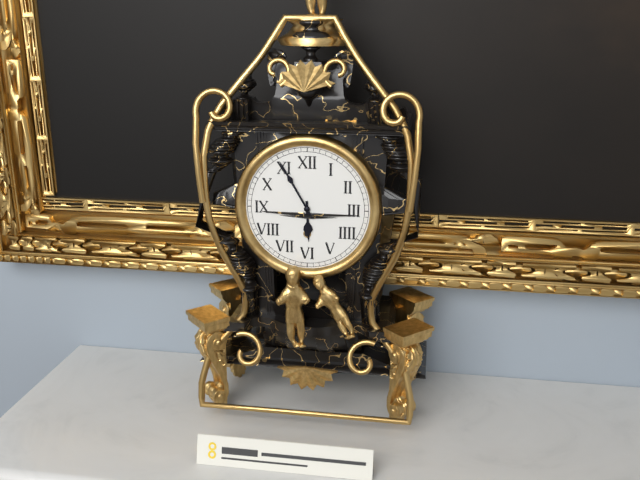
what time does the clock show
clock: 5:55
